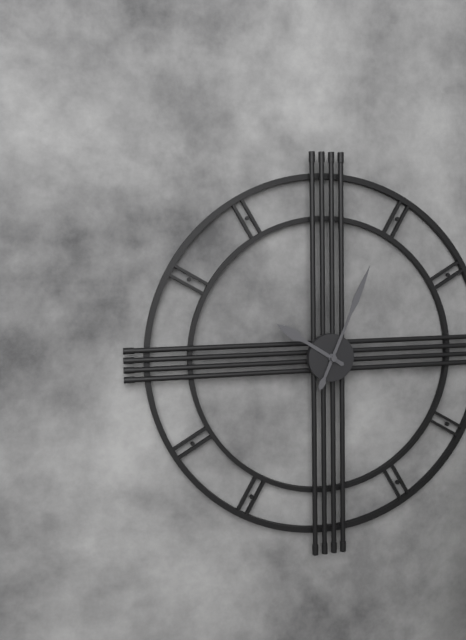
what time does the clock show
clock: 10:04
